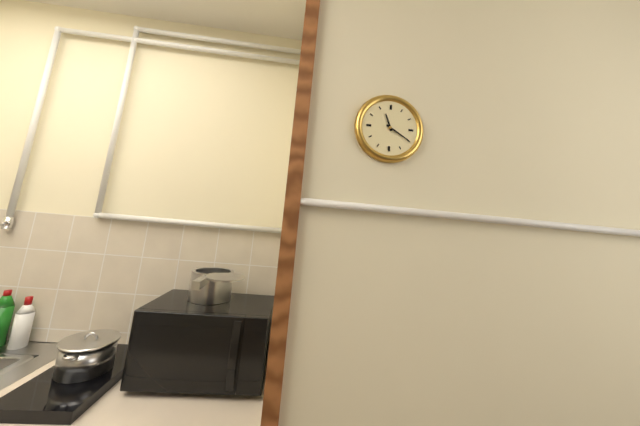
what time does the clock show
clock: 11:20
